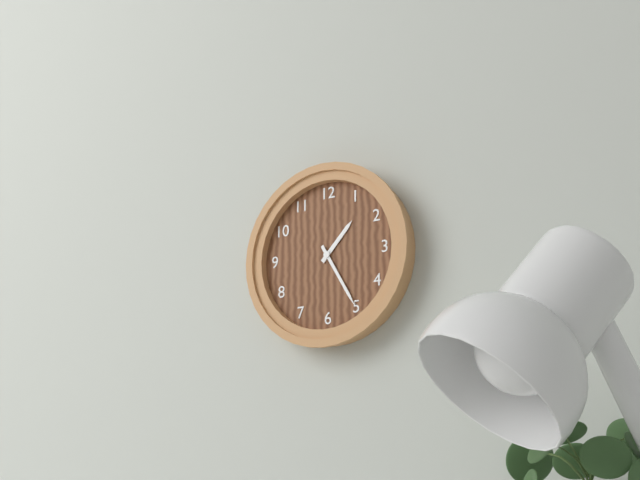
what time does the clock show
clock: 1:25
